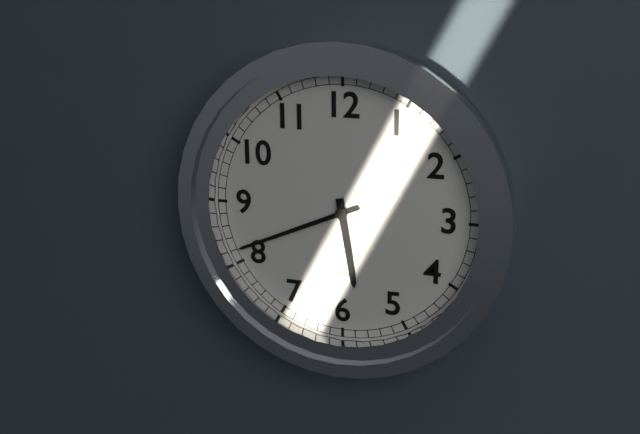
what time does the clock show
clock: 5:41
